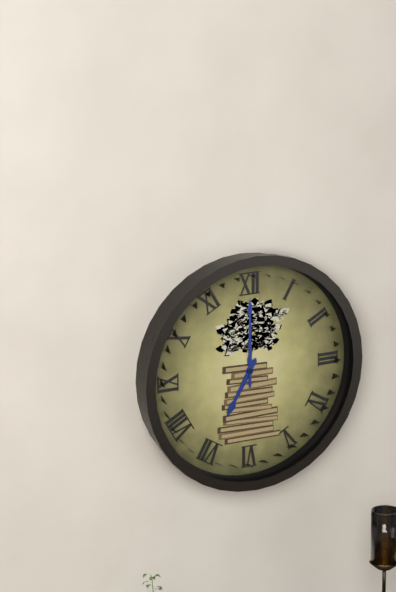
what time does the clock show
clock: 7:00
